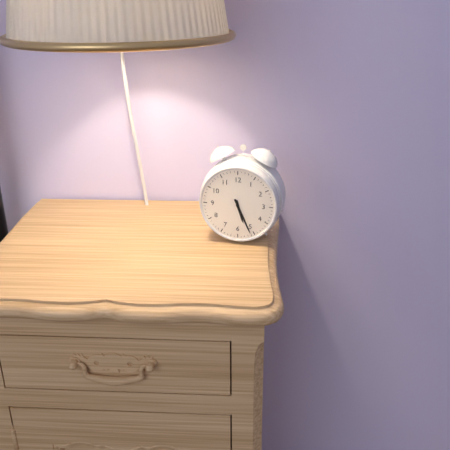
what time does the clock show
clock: 5:26
